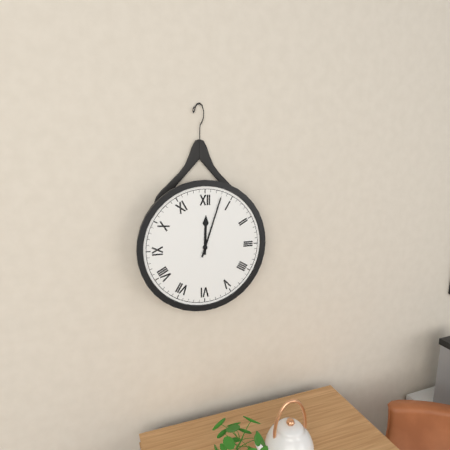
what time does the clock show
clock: 12:03
